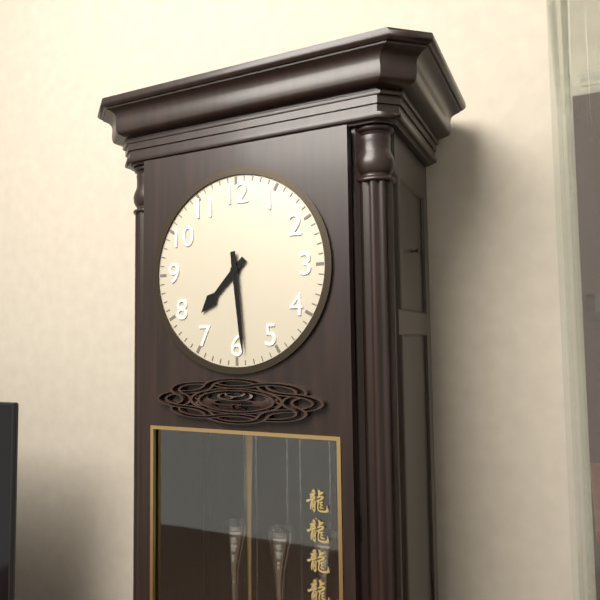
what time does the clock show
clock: 7:29
